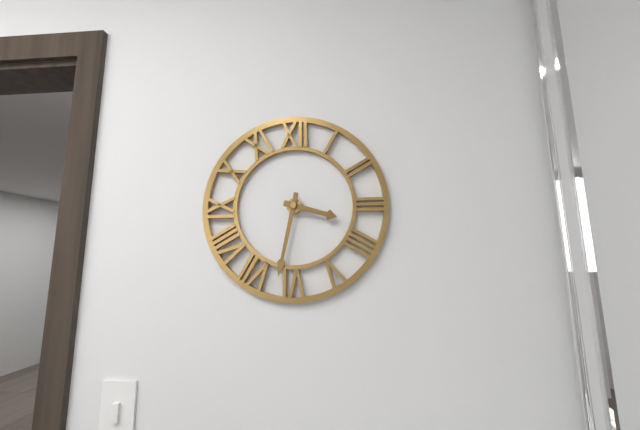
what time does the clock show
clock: 3:32
